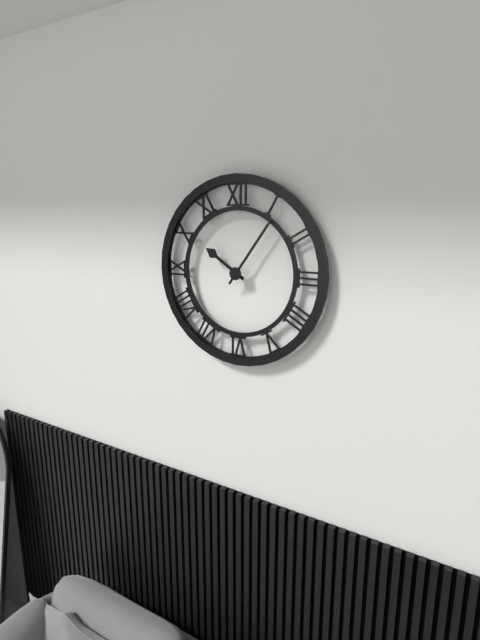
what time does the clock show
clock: 10:06
